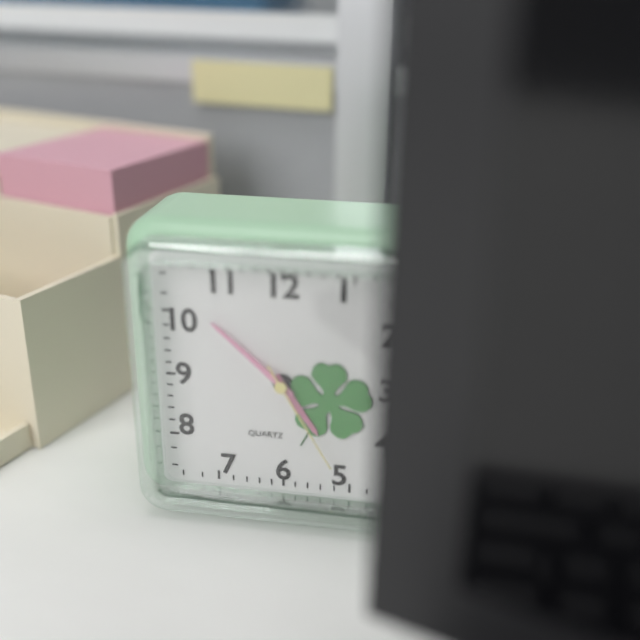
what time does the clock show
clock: 4:52:25
